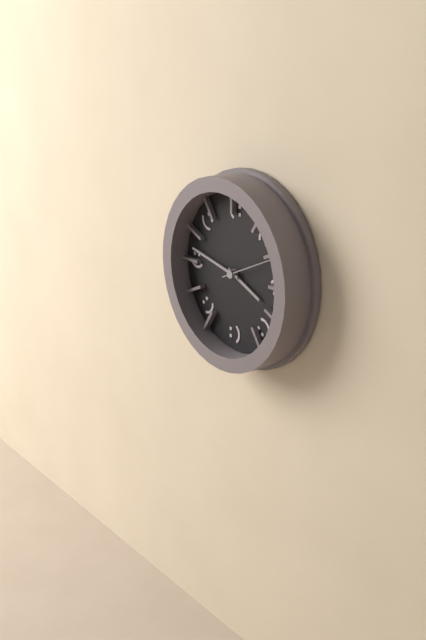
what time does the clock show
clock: 3:47:11
